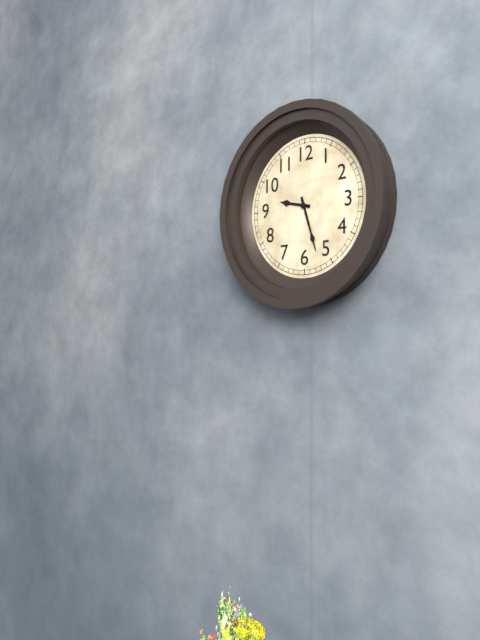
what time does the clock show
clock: 9:27
